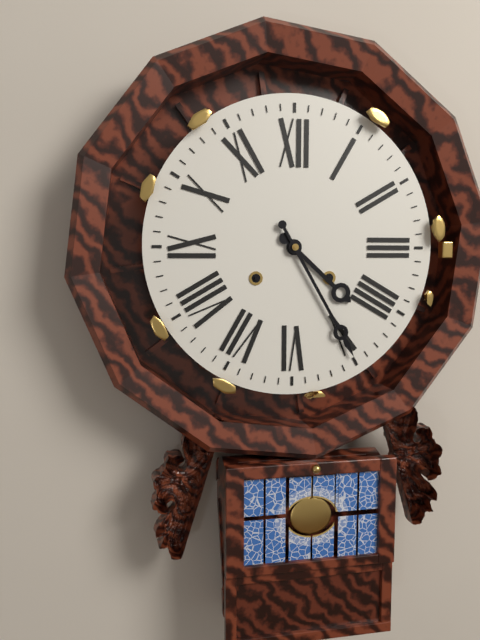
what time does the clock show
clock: 4:25
